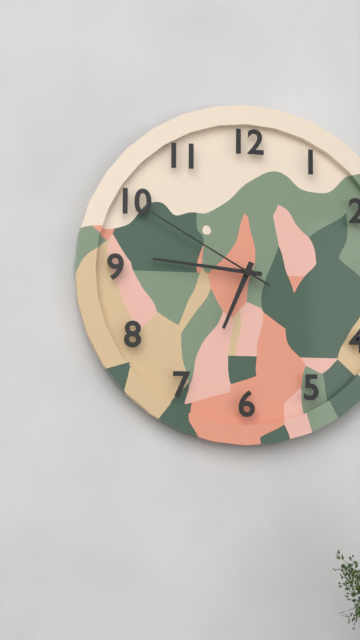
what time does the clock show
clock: 6:46:50
